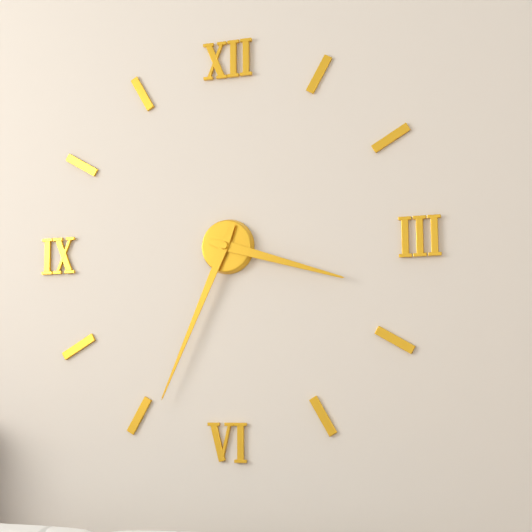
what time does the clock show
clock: 3:34
